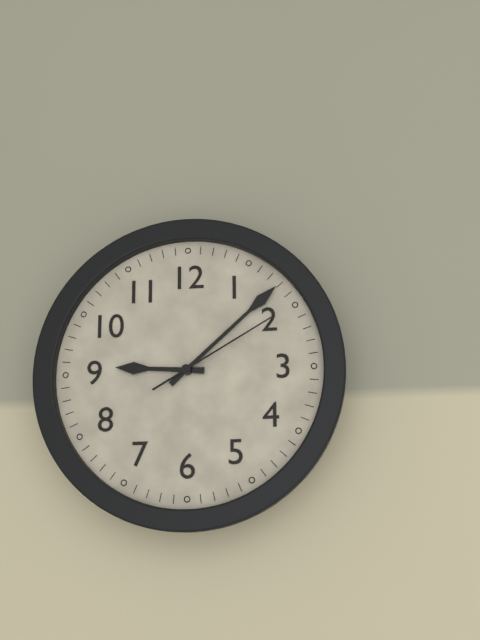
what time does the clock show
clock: 9:08:10
